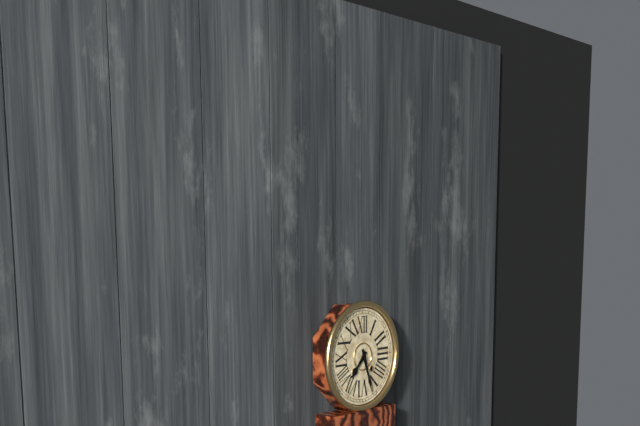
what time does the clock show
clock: 7:27
